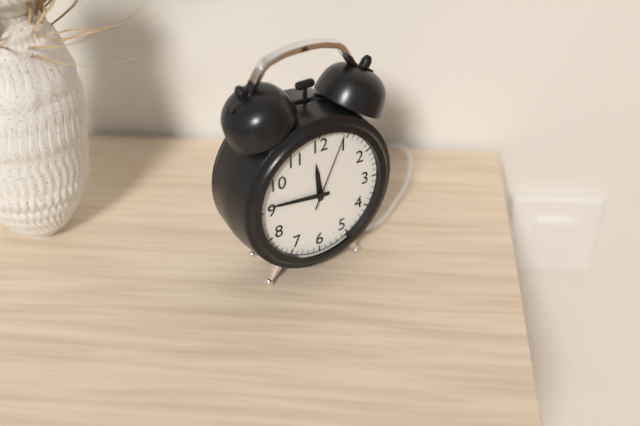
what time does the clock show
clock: 11:46:04
